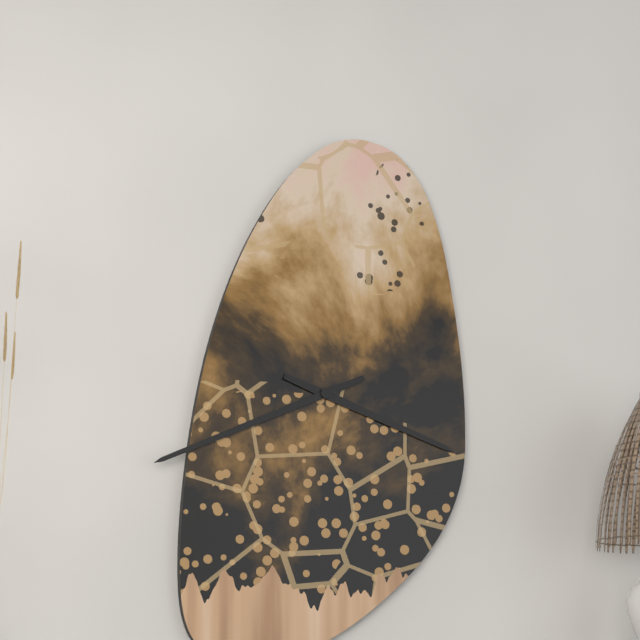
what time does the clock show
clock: 3:41
